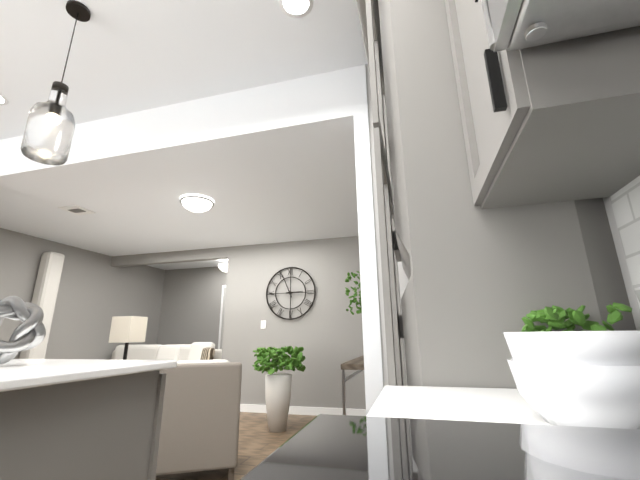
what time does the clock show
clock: 2:56
